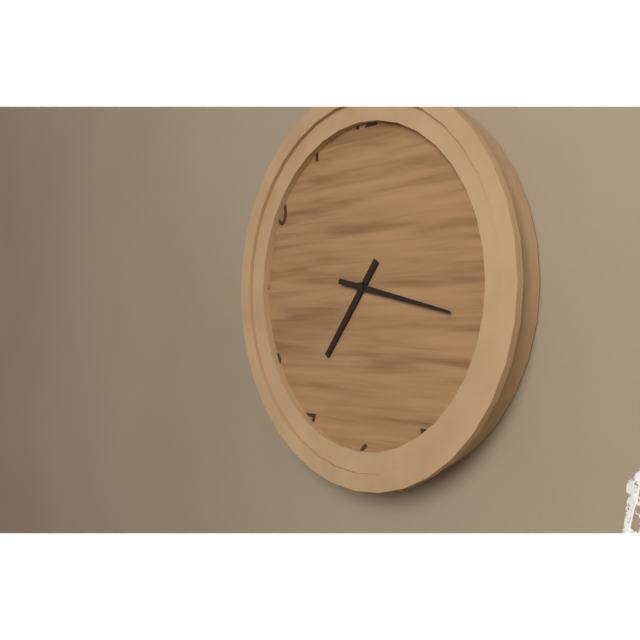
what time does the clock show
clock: 7:17
